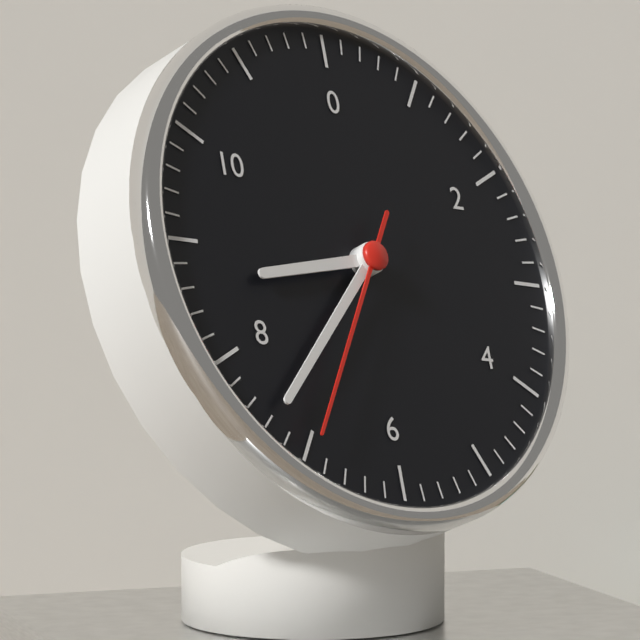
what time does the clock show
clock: 8:37:35
